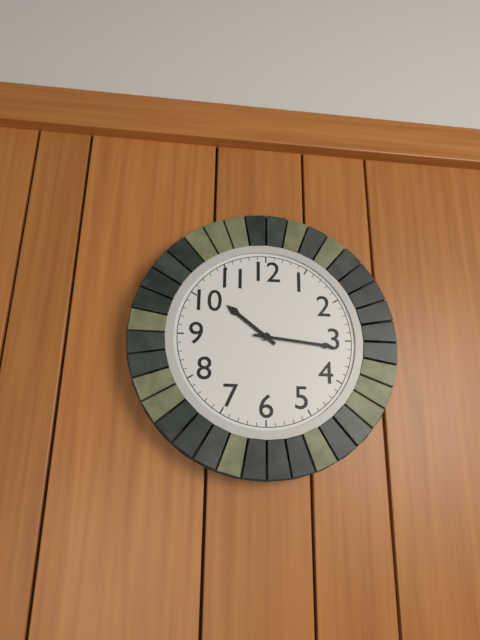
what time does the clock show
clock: 10:16
